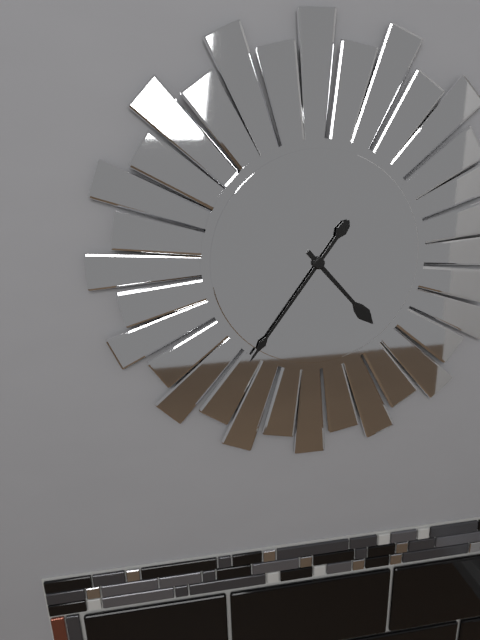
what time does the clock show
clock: 4:36
